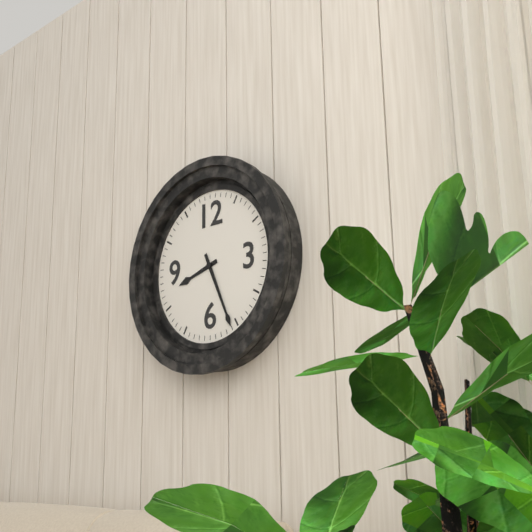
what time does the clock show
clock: 8:26
